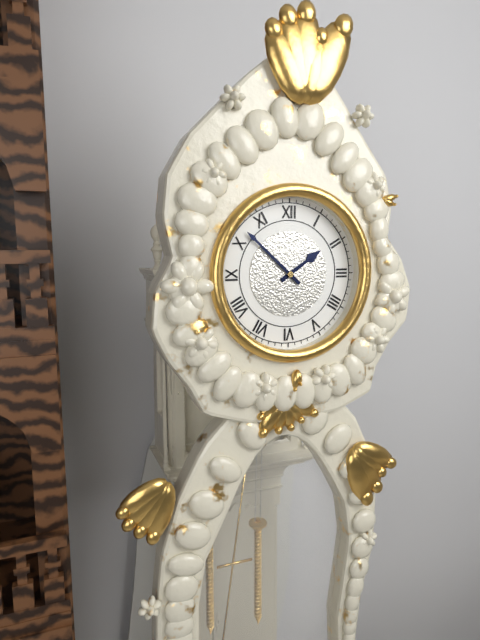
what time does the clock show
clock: 1:52
